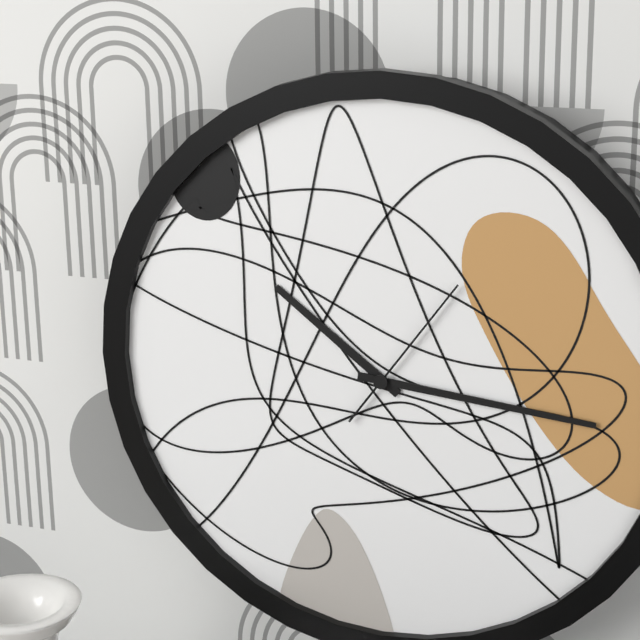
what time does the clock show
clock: 10:16:06
